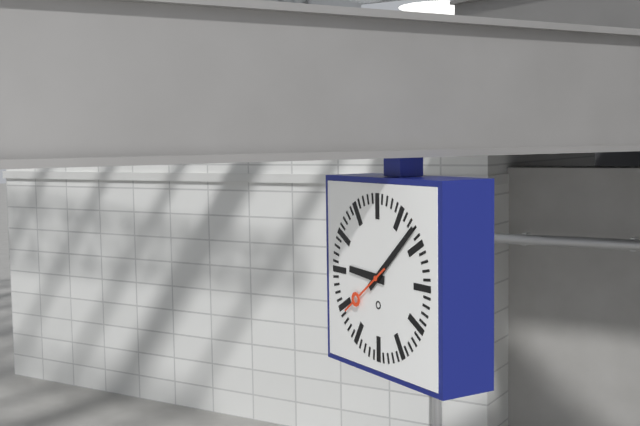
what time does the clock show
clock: 9:08:39
